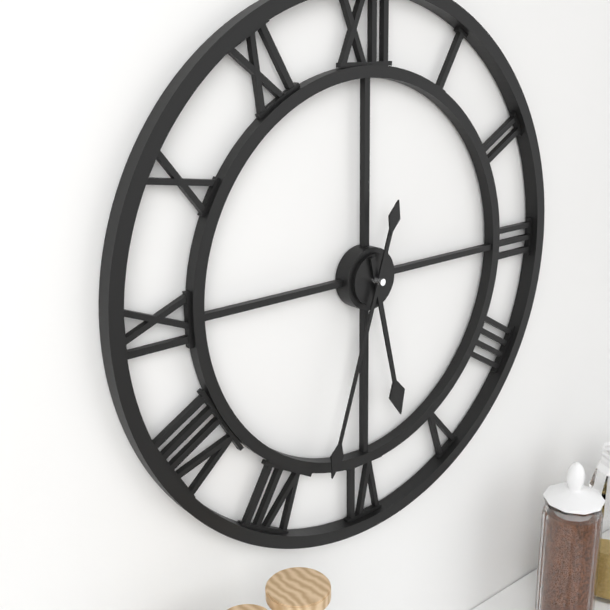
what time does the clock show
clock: 5:33
